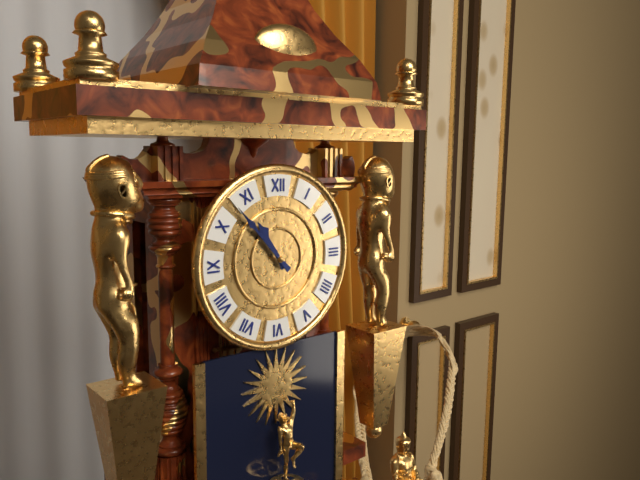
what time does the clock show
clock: 10:53
